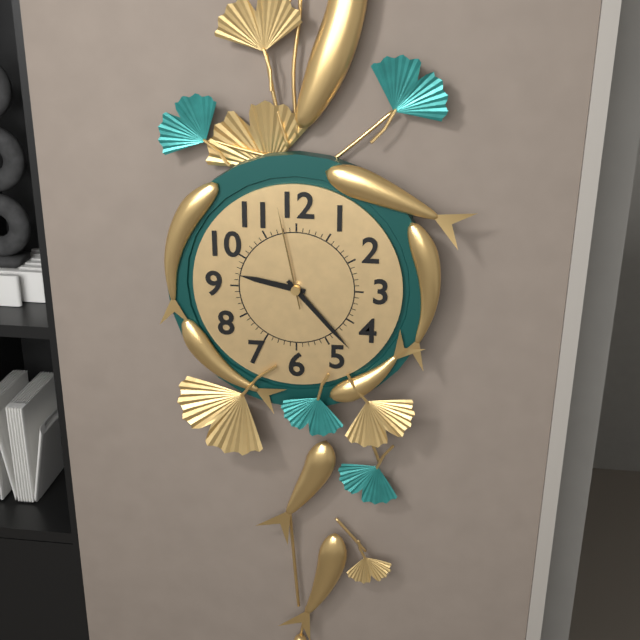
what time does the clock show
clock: 9:23:58
